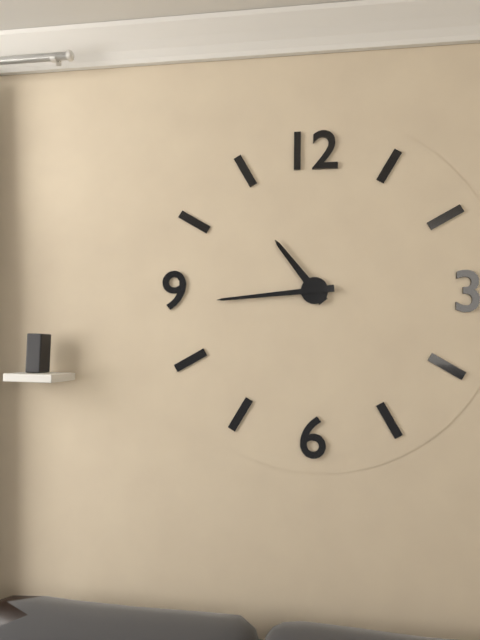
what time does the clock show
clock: 10:44
